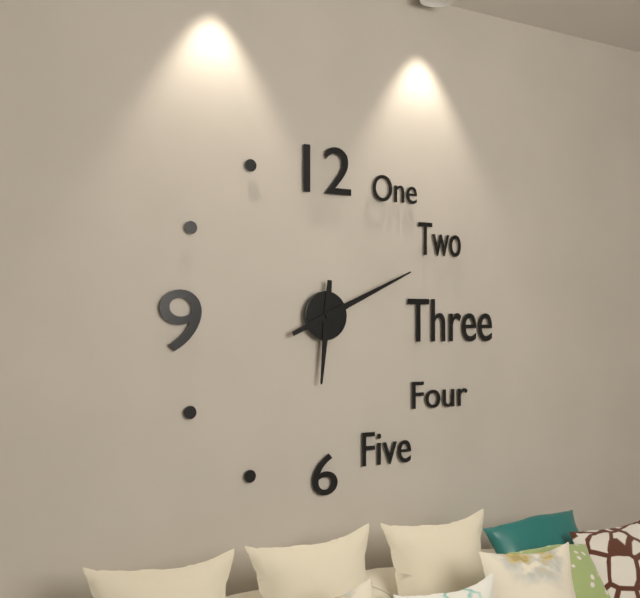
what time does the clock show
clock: 6:11
